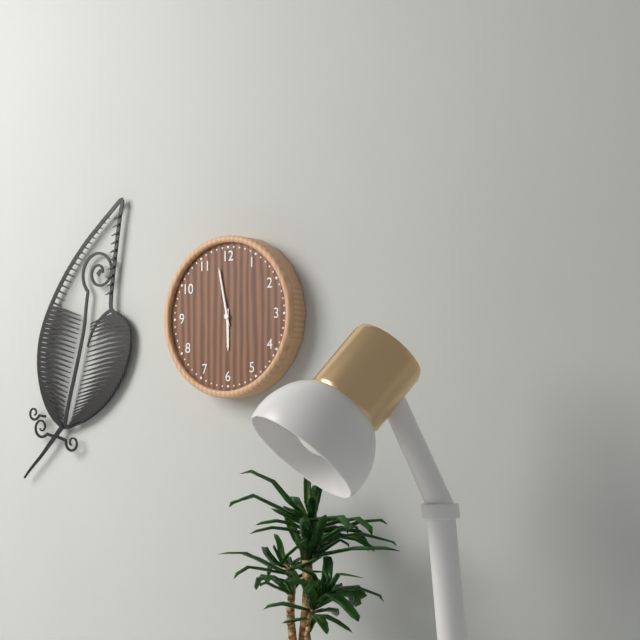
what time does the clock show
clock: 5:58
